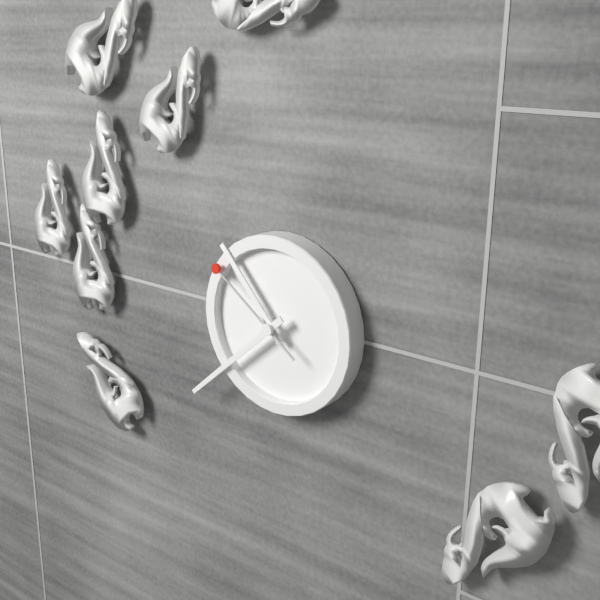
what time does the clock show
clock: 10:38:51
